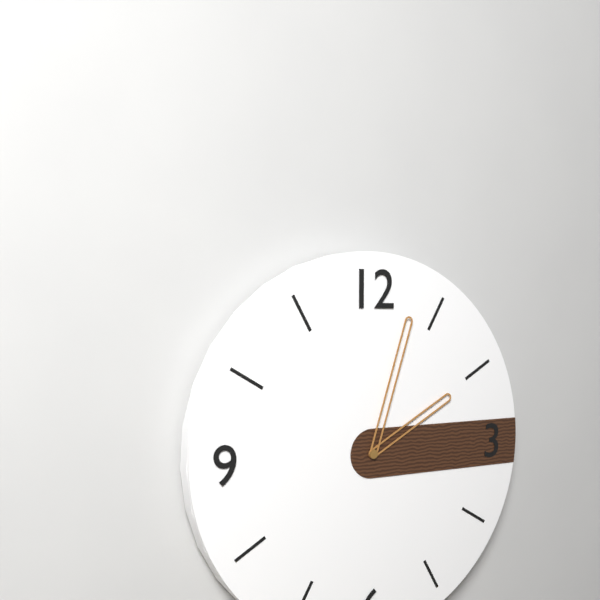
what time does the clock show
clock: 2:03
